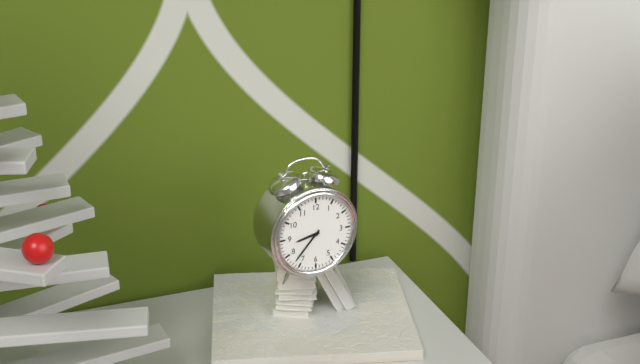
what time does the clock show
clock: 8:37
